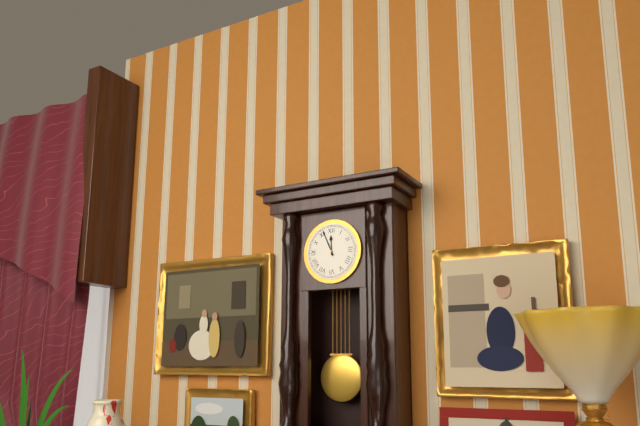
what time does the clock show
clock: 11:56
